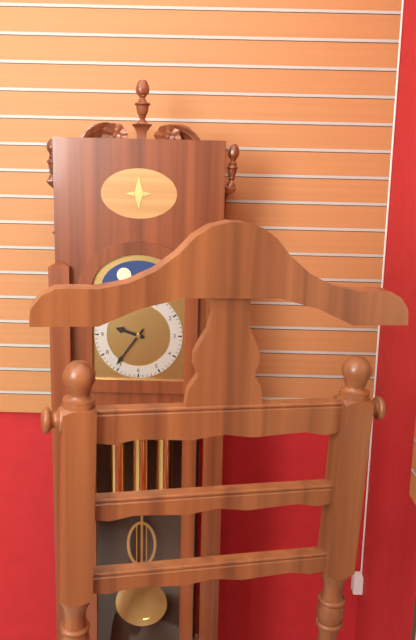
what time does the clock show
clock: 9:36
